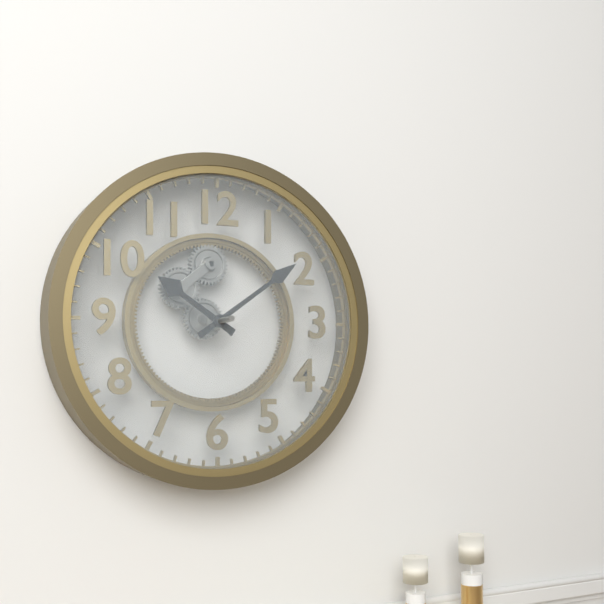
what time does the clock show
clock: 10:09
